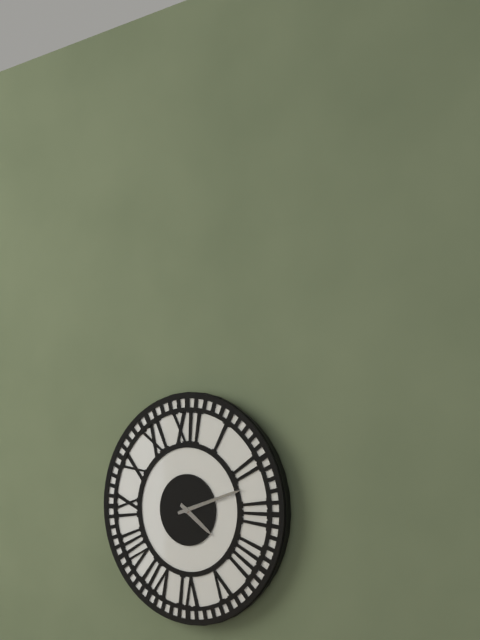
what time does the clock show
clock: 4:12
